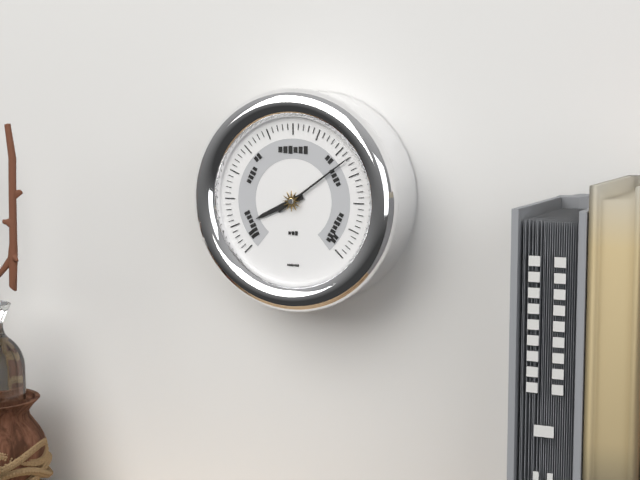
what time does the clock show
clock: 8:09
